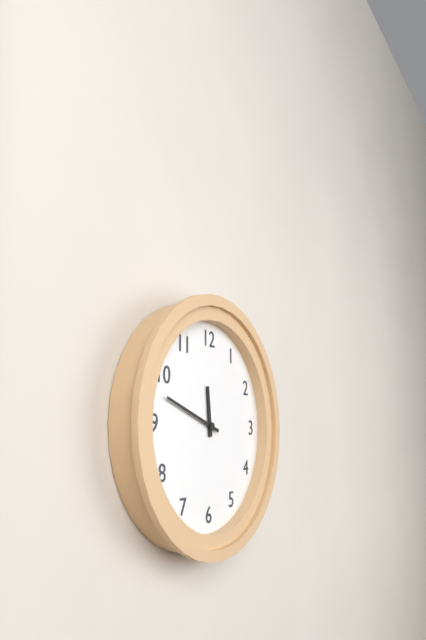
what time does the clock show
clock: 11:48
